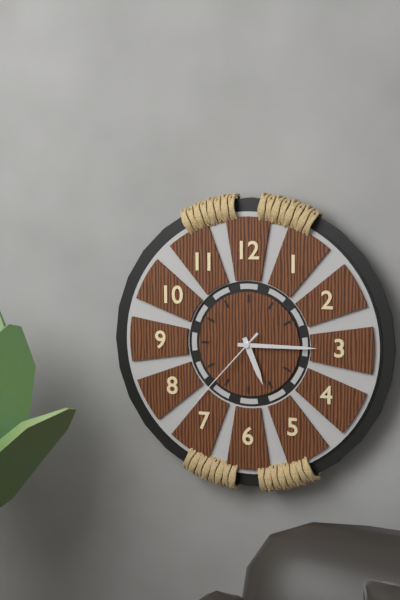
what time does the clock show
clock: 5:15:37
